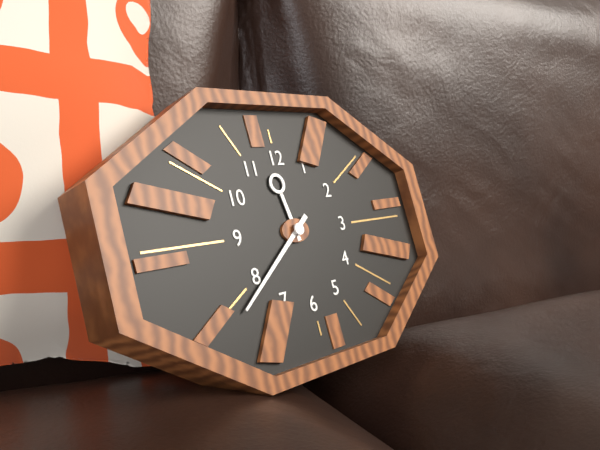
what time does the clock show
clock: 11:39
